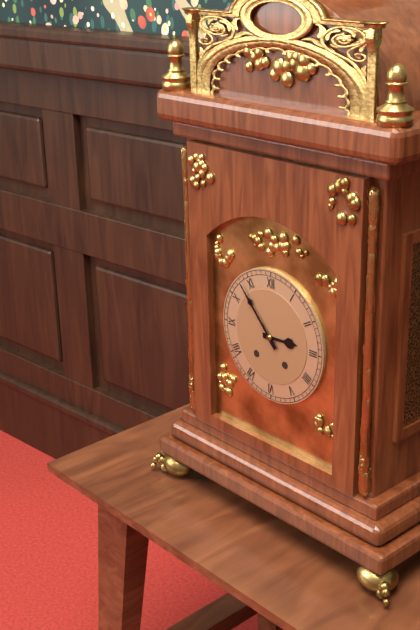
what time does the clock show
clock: 2:53
